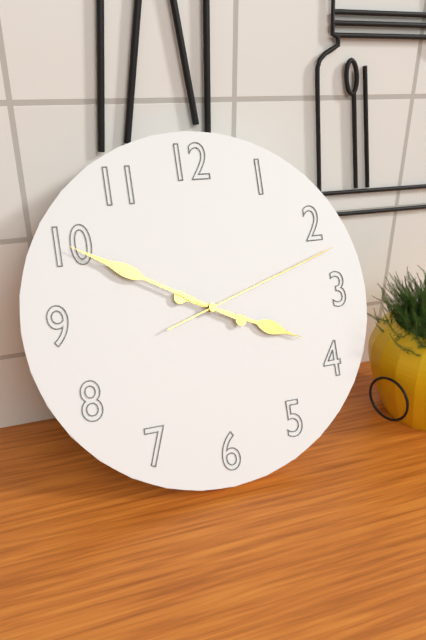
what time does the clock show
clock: 3:50:12
